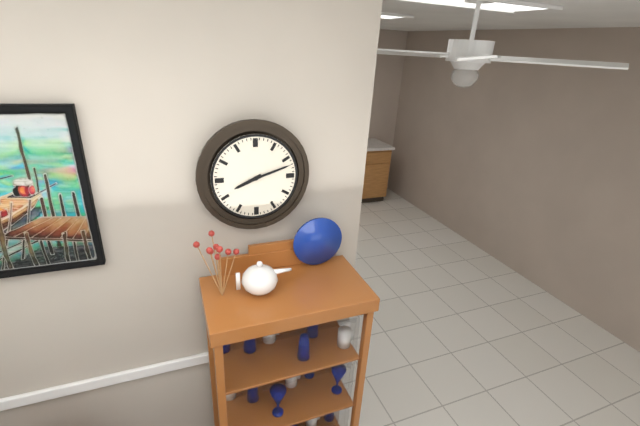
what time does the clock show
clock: 8:12
